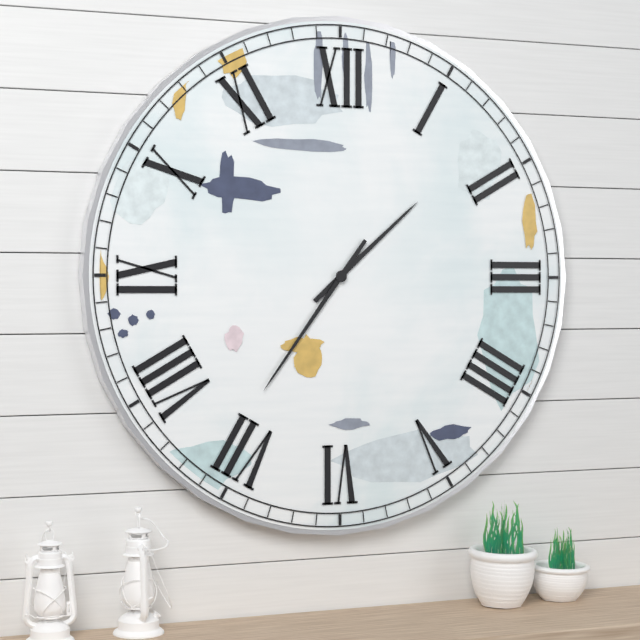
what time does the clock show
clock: 1:36
